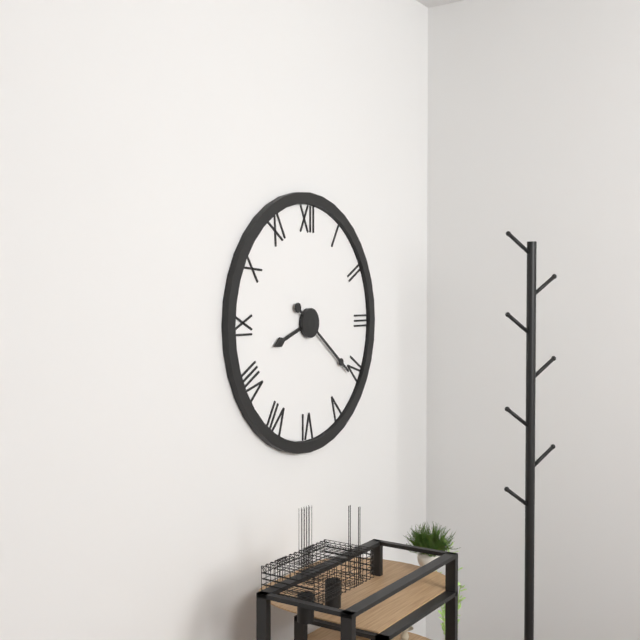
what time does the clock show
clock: 8:21
